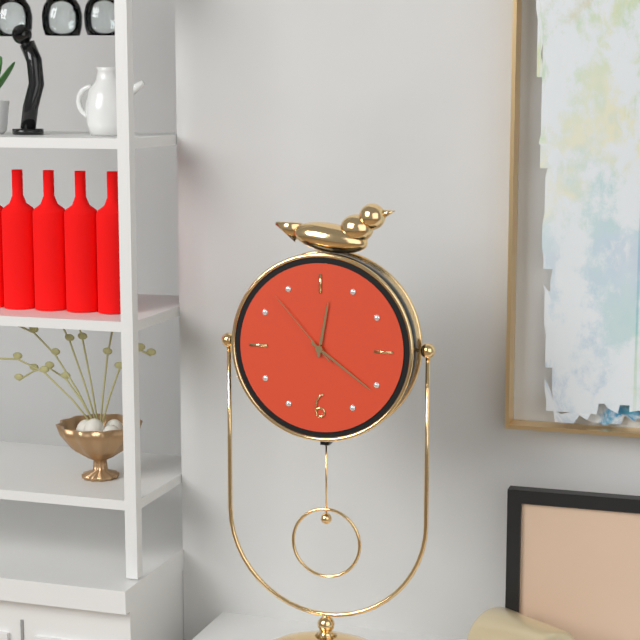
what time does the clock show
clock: 12:21:53
